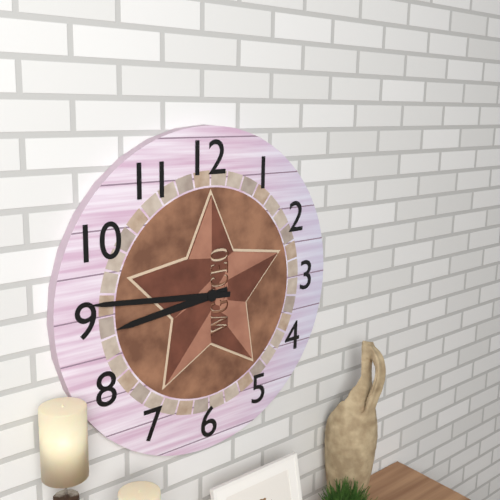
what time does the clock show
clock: 8:46
